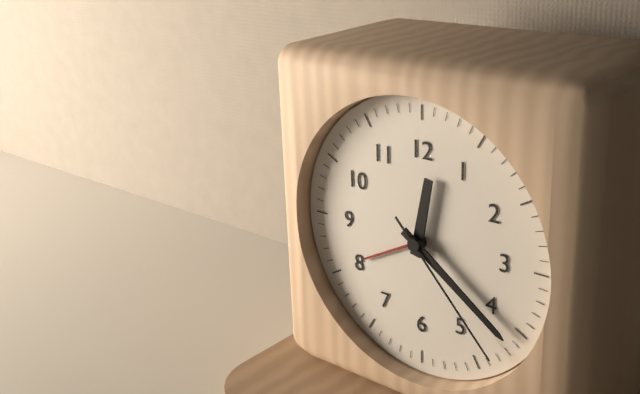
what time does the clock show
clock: 12:21:23
